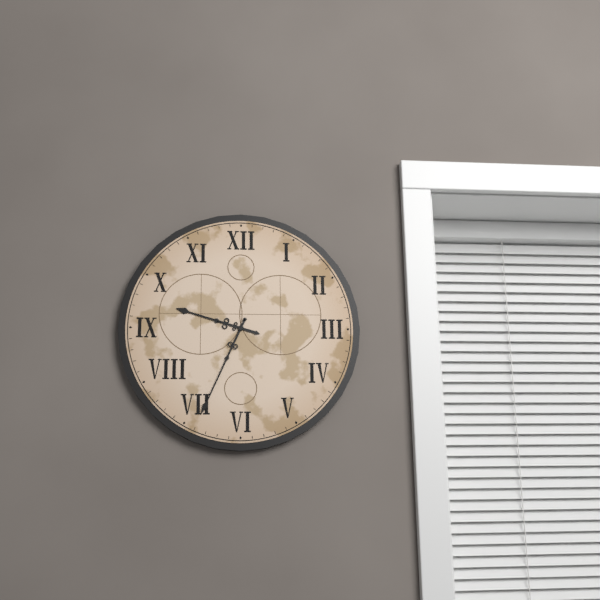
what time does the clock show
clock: 9:34
